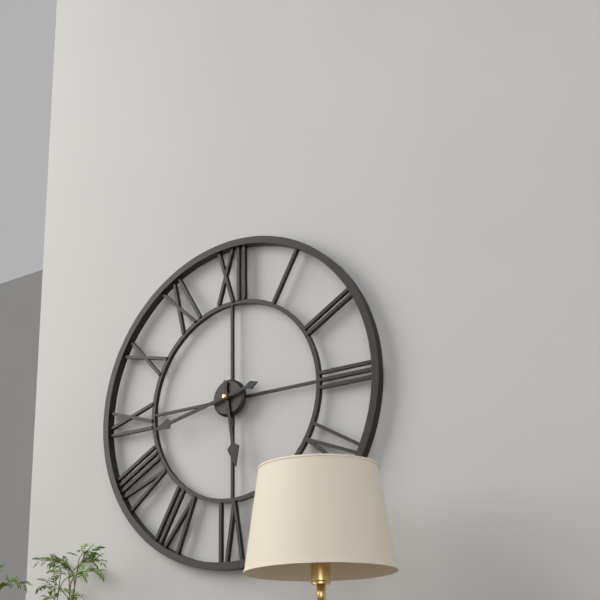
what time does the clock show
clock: 5:43
